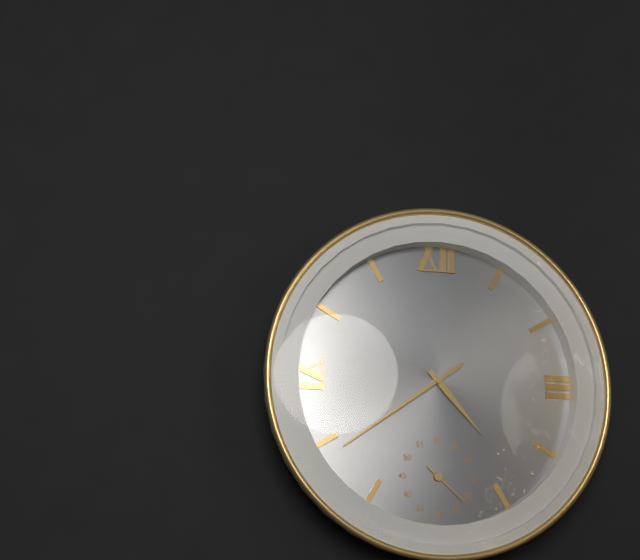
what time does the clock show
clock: 4:39:22
